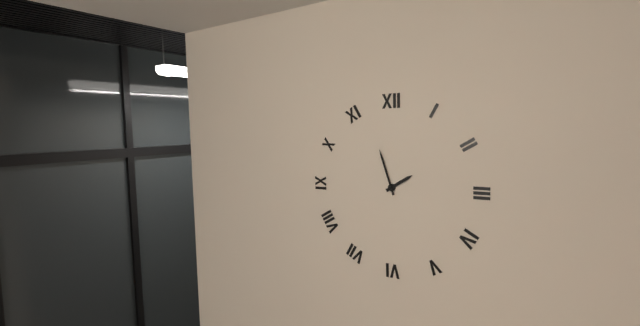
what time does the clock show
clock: 1:57
